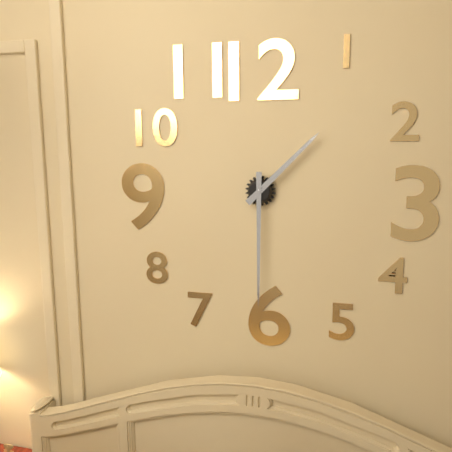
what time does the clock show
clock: 1:30
